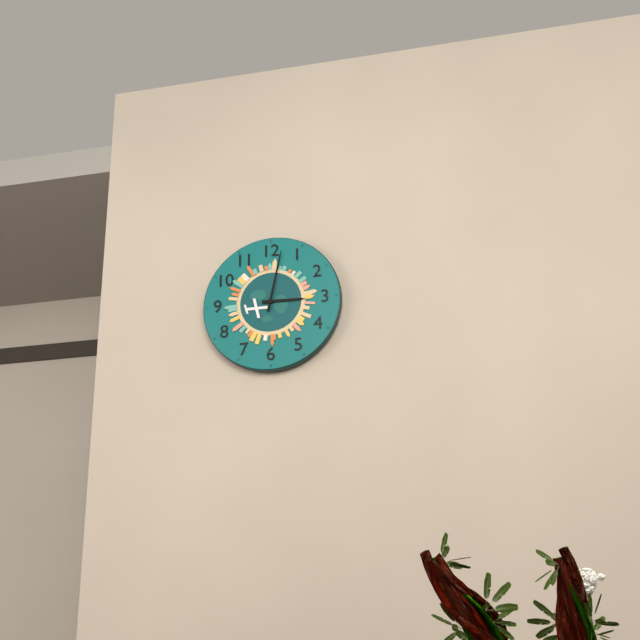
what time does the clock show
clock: 3:02
